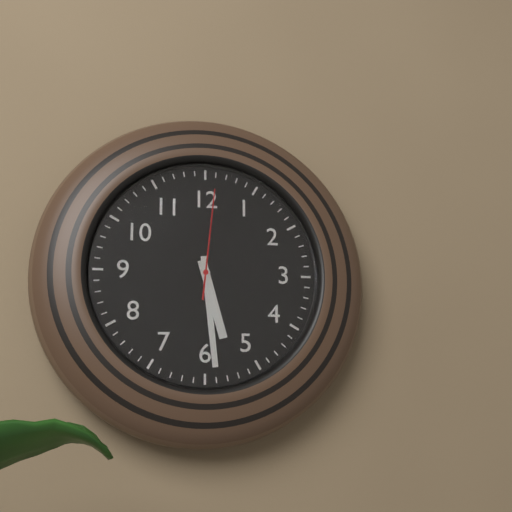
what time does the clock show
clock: 5:29:01
